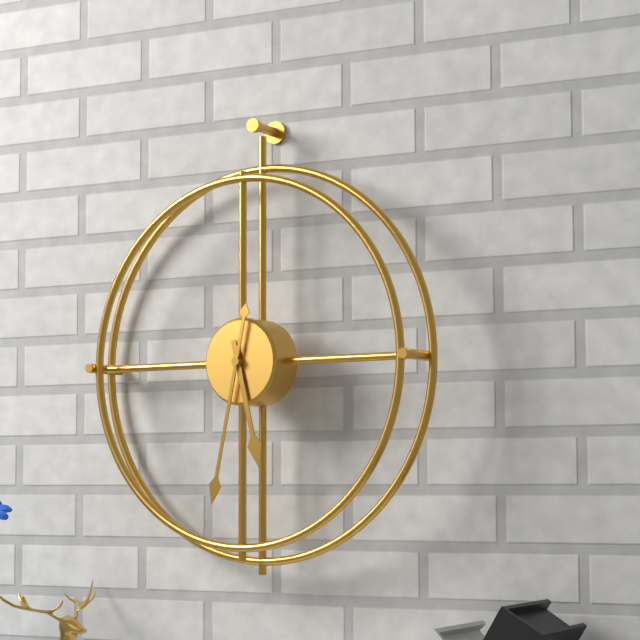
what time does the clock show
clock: 5:32
